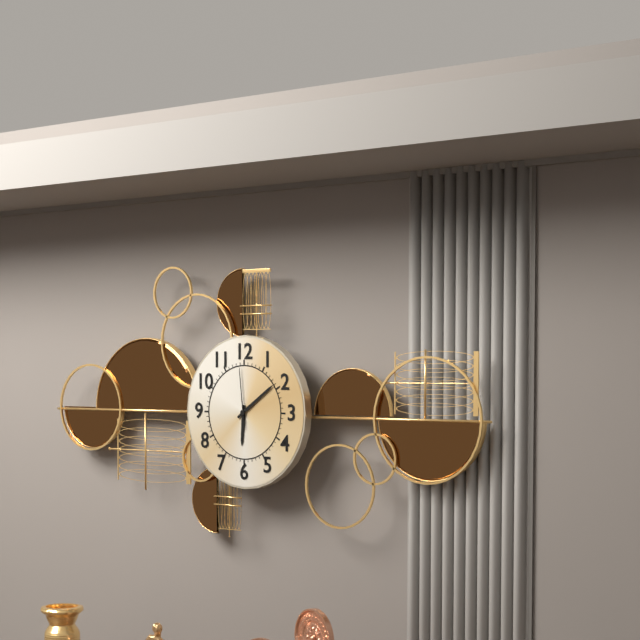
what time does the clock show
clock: 6:09:59
